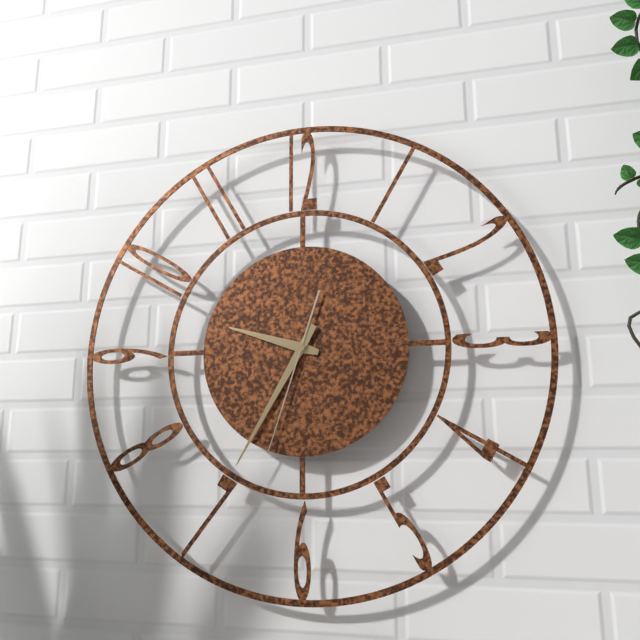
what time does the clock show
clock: 9:35:33
